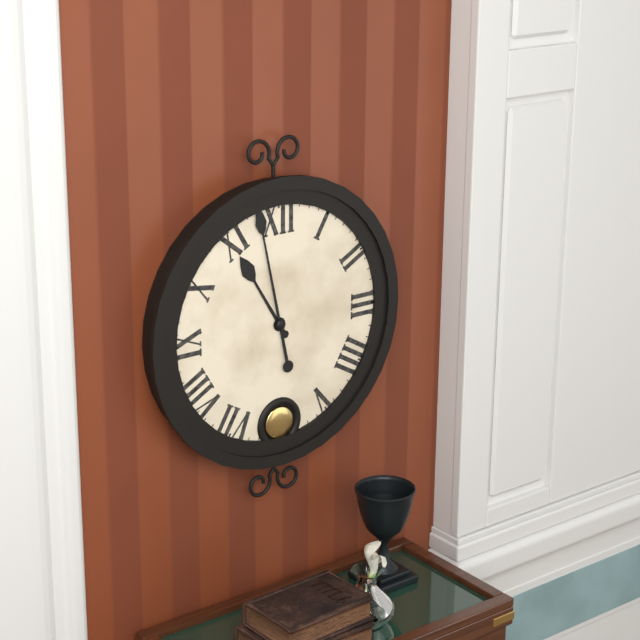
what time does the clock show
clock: 10:58
